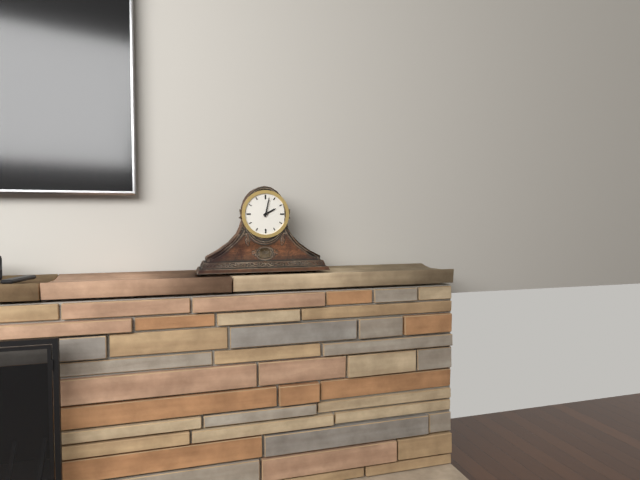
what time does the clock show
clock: 2:02
